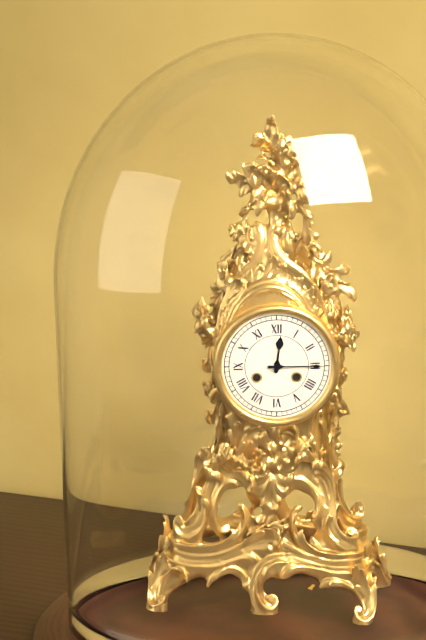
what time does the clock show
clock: 12:15
